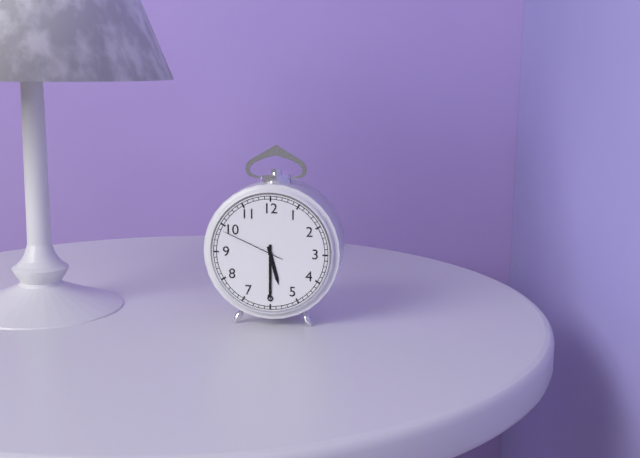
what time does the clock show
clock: 5:30:49
